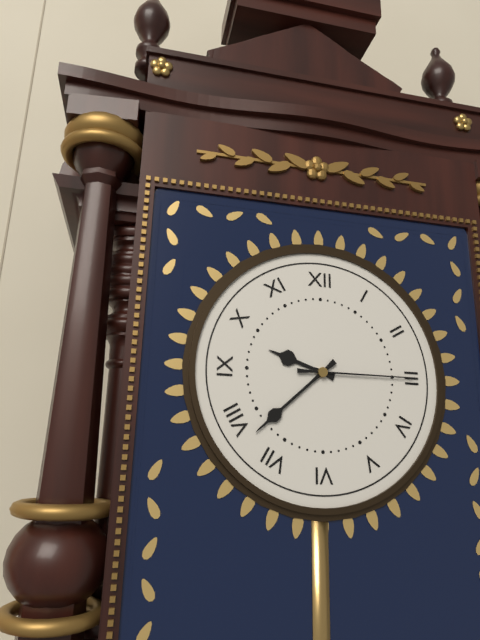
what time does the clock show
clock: 9:38:15
